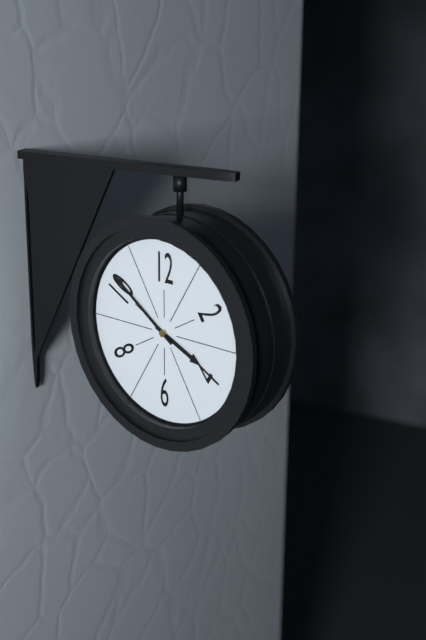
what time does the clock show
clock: 3:51
